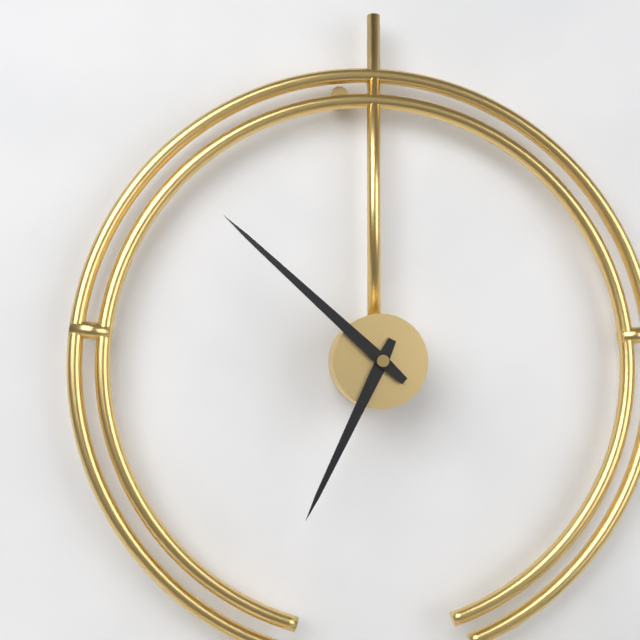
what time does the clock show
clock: 6:52
